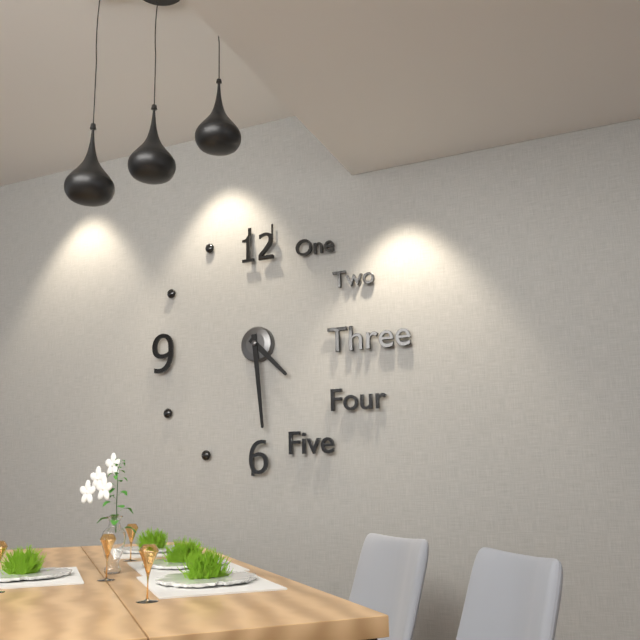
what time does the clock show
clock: 4:29
